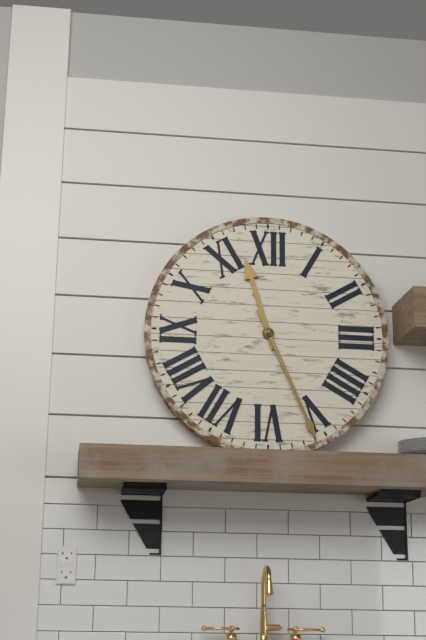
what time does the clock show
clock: 11:26
